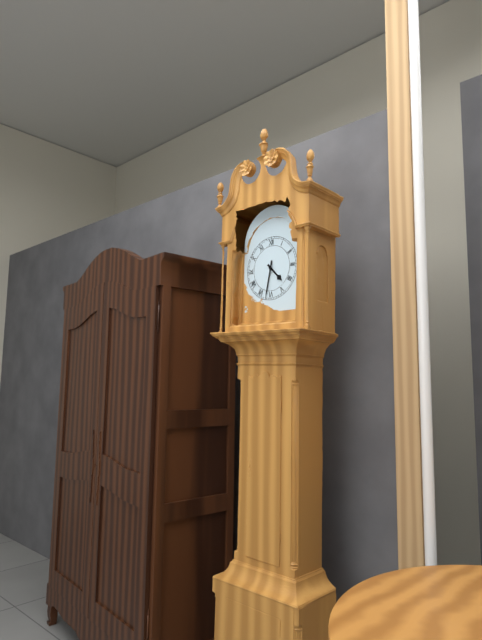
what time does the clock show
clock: 4:32
